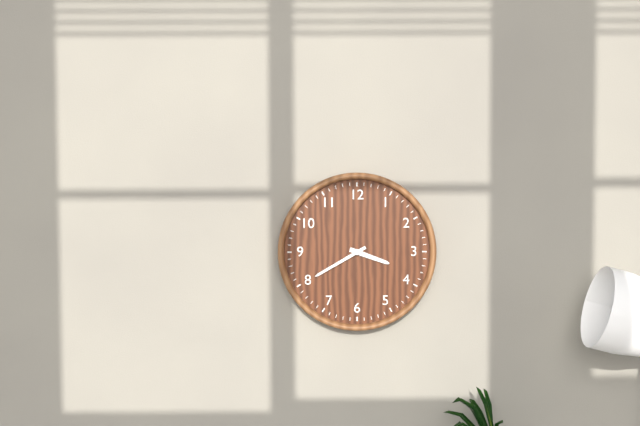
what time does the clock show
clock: 3:40
